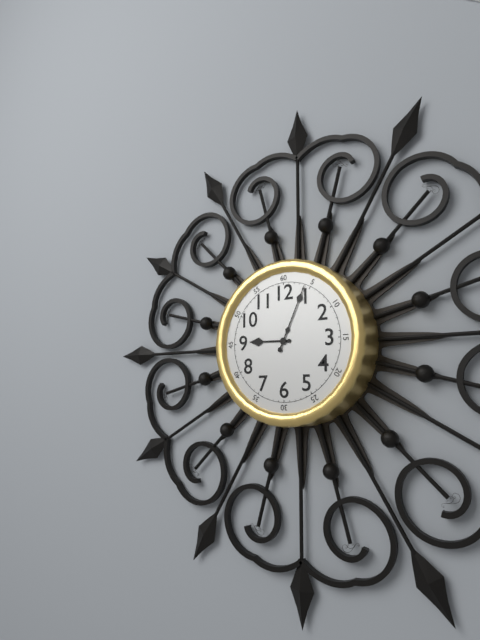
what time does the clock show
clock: 9:04
